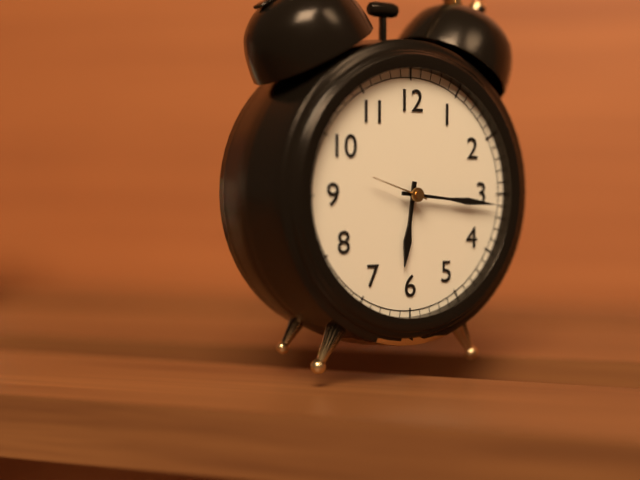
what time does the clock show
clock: 6:16:48
